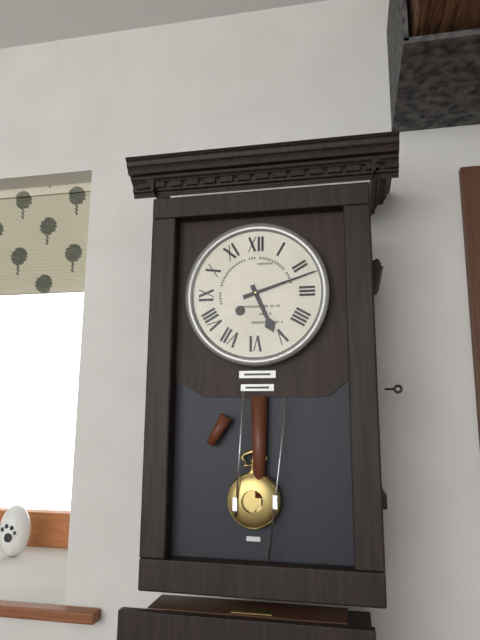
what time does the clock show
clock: 5:12
